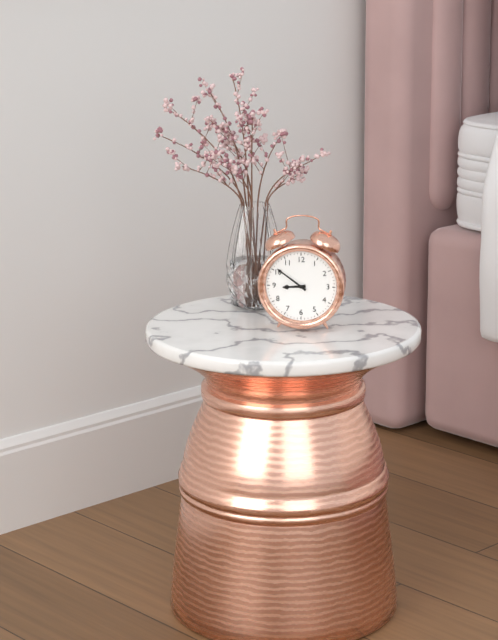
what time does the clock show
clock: 8:51
